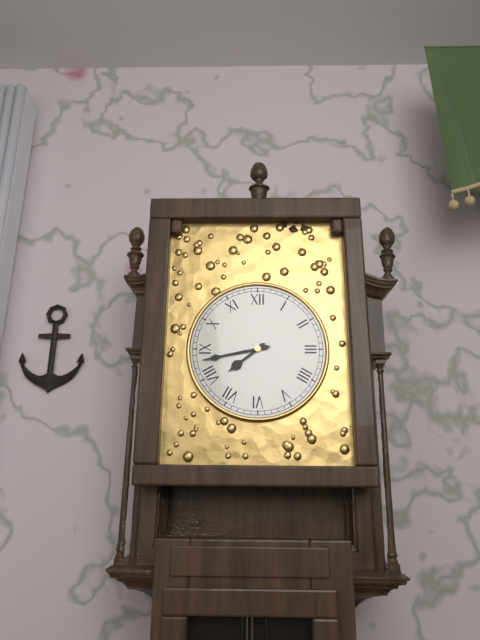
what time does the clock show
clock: 7:43
